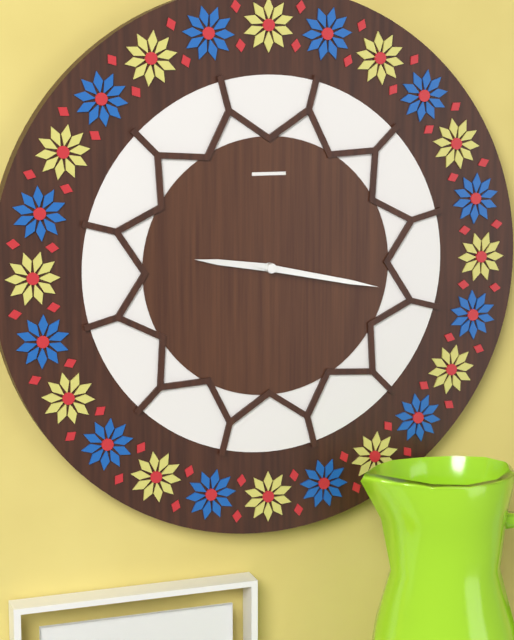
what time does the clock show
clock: 9:17
